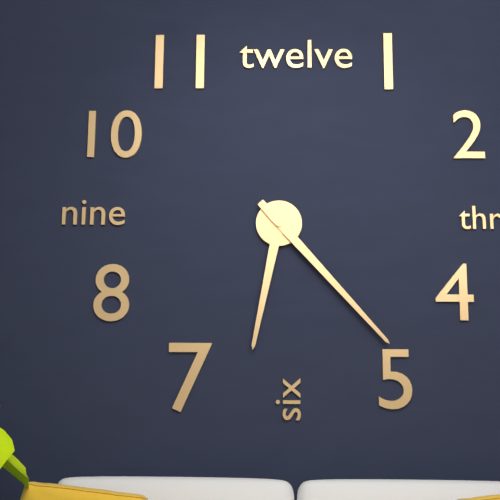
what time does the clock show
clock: 6:23
